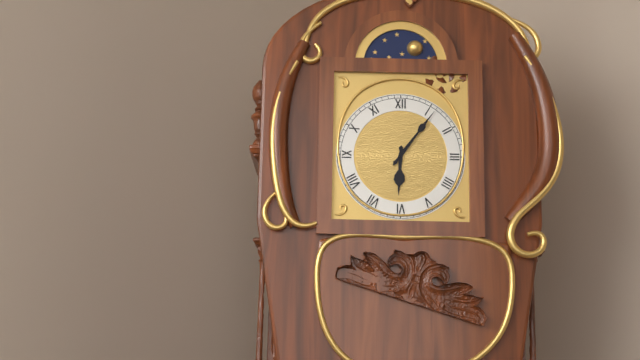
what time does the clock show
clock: 6:06
